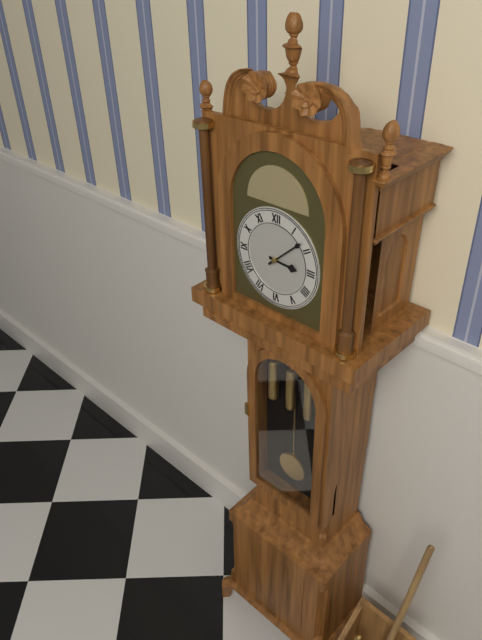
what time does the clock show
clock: 3:08
